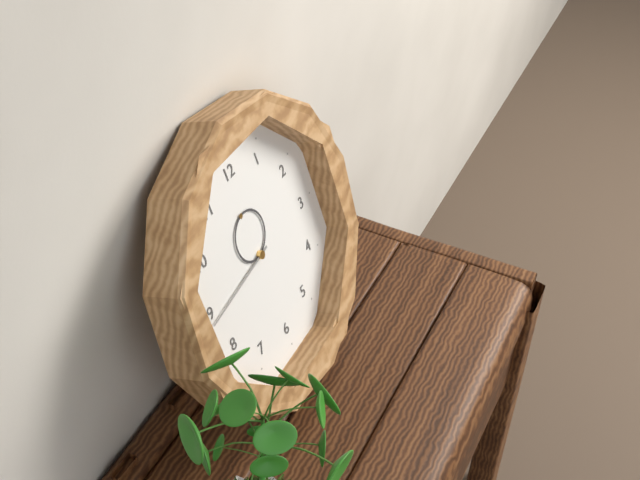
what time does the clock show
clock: 11:44
